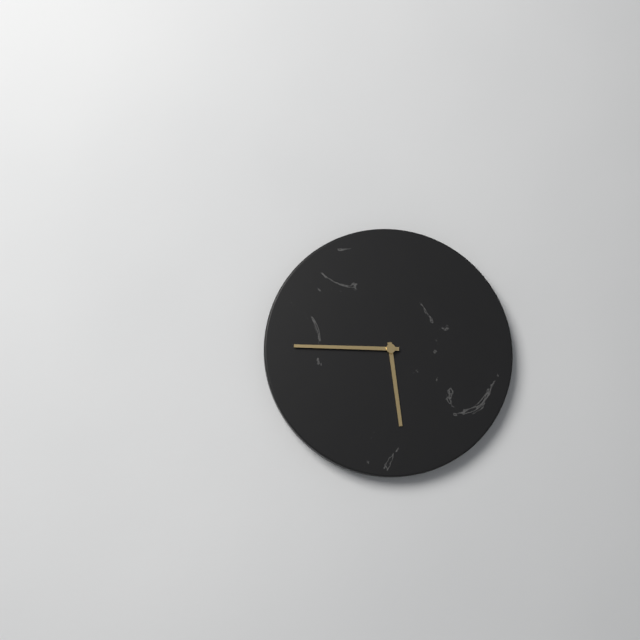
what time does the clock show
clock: 5:45
